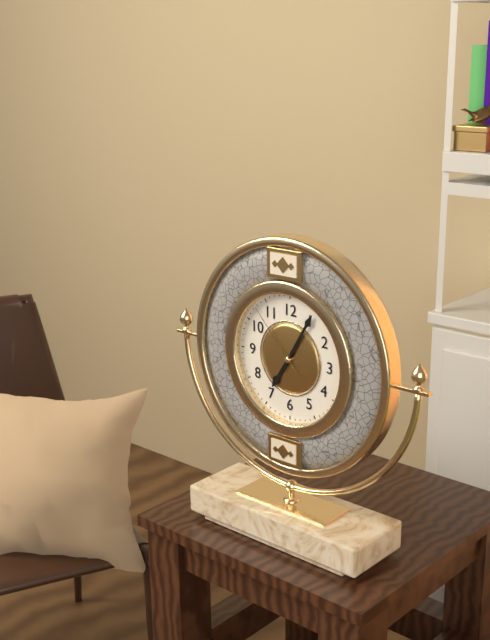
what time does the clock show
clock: 7:05:53
